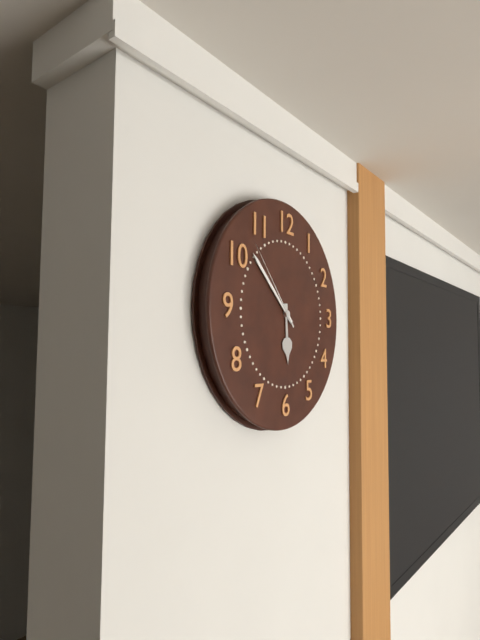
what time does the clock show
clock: 5:52:53
